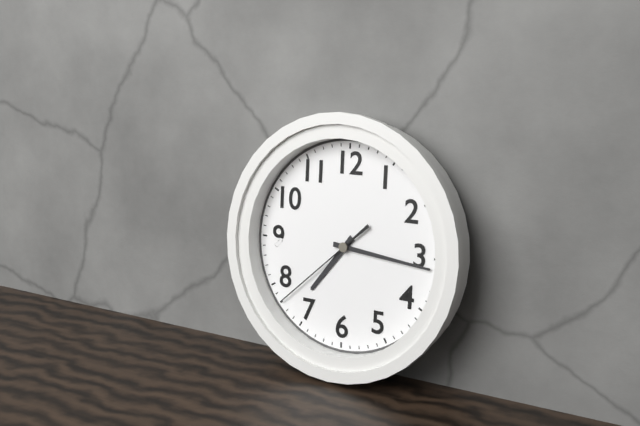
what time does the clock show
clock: 7:16:38
